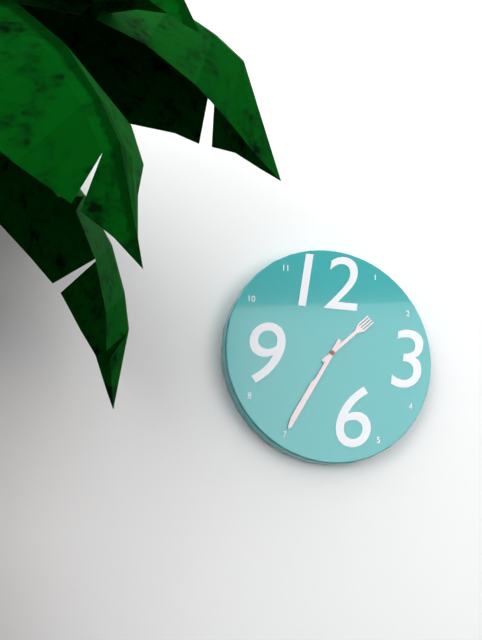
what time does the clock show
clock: 1:35
